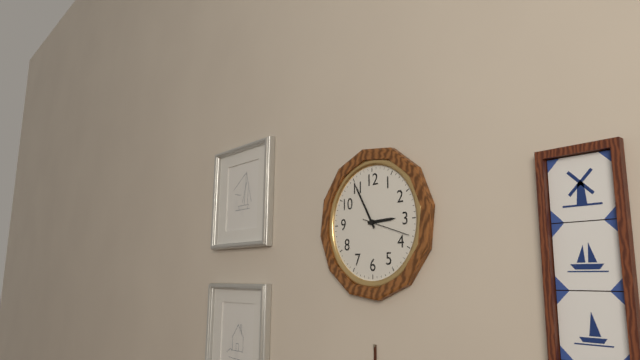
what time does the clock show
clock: 2:55
